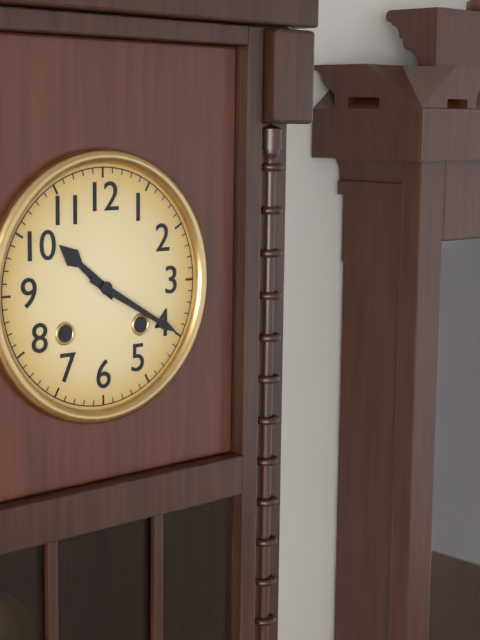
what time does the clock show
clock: 10:20
